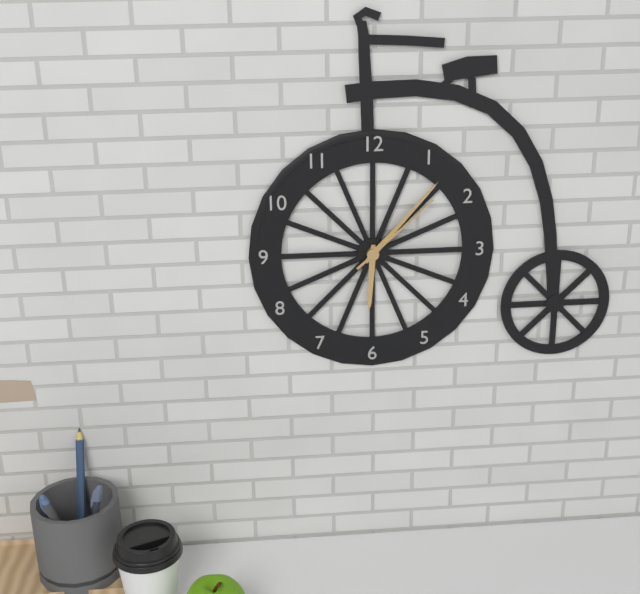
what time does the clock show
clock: 6:07:08
